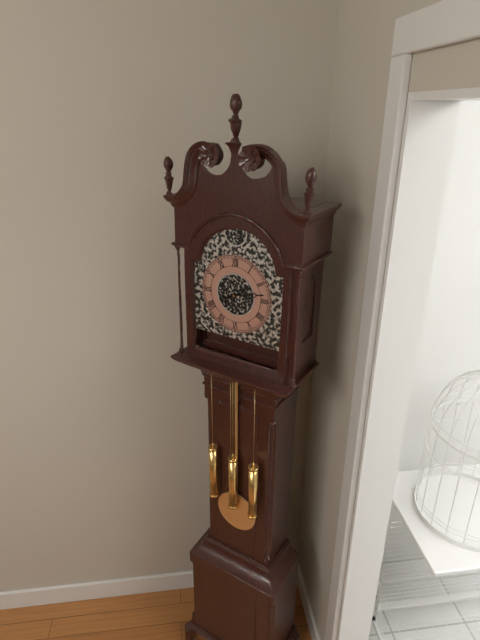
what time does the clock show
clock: 8:13
